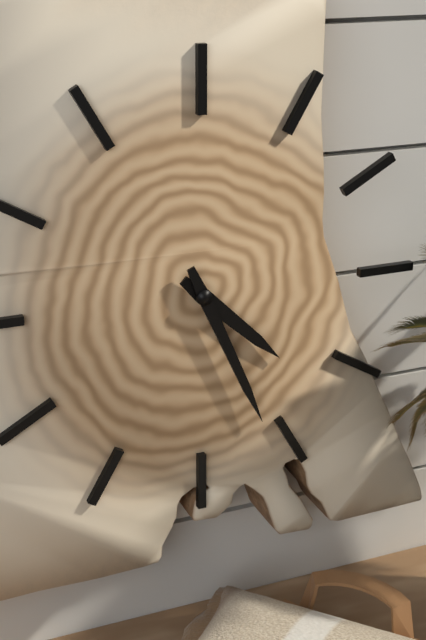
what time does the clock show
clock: 4:26
